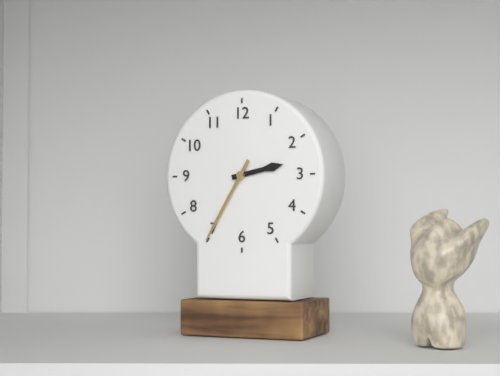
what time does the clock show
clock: 2:35
